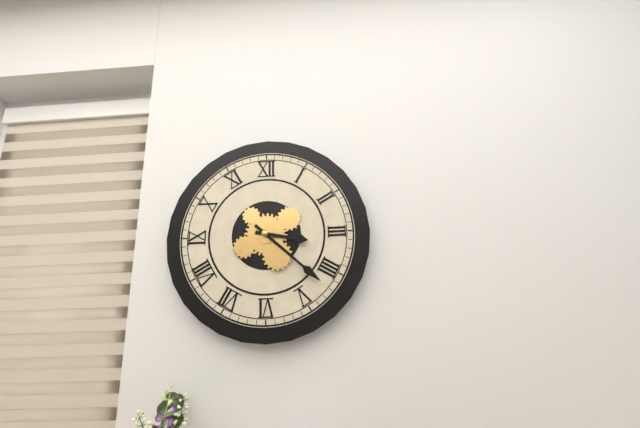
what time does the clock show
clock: 3:22
